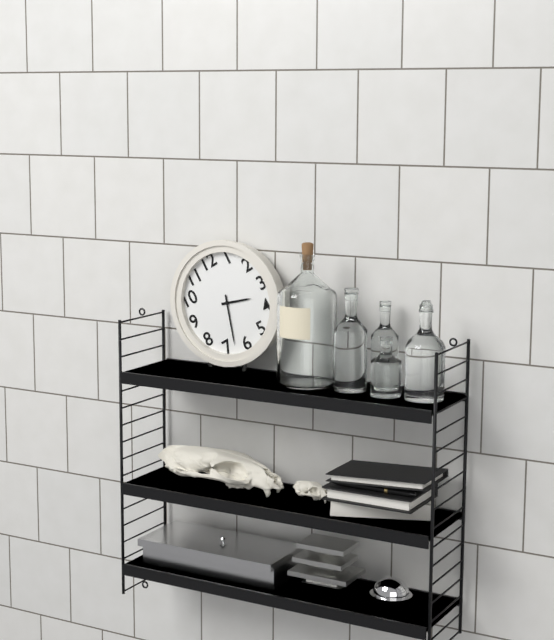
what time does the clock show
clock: 3:33
